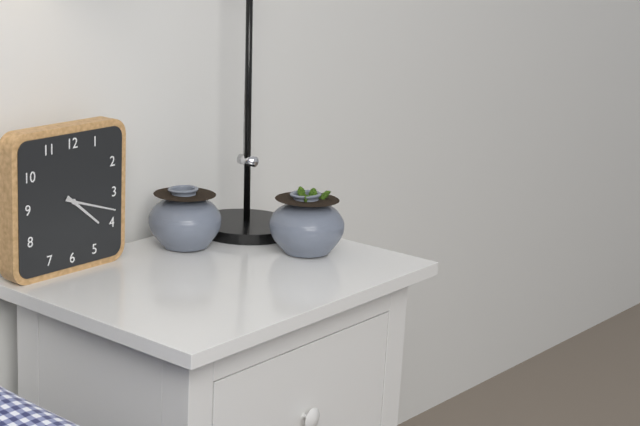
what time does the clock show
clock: 4:18
